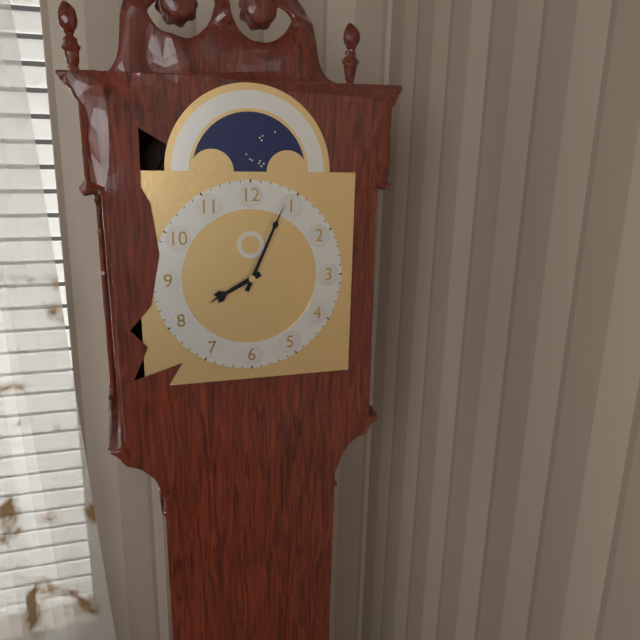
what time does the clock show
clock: 8:04
